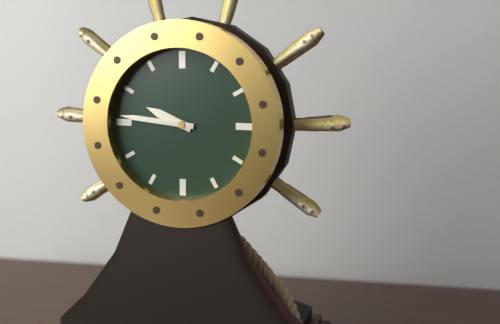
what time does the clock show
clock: 9:46
